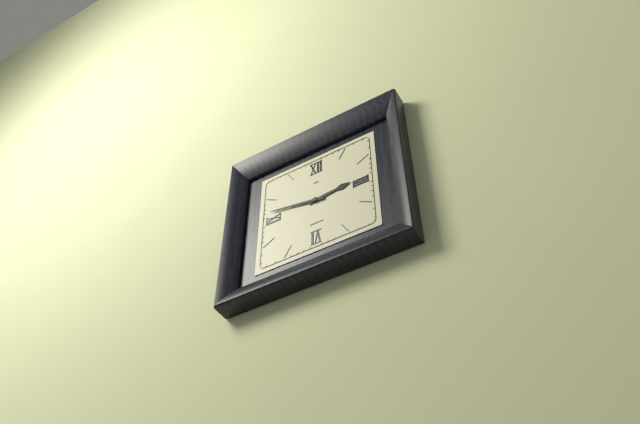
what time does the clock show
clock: 2:47
